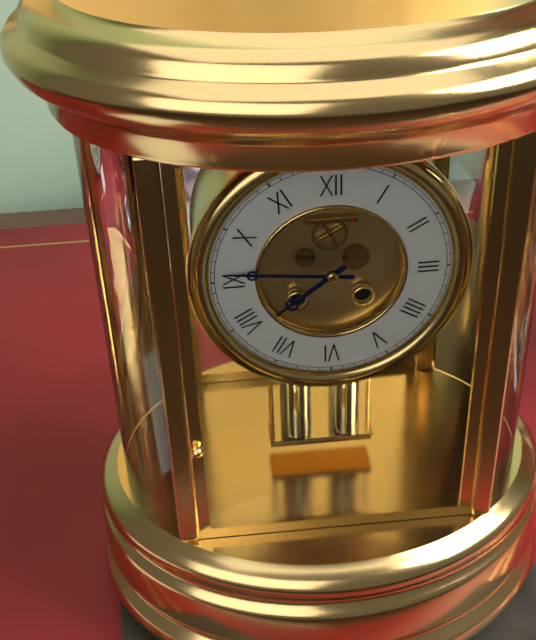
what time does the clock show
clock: 7:46
